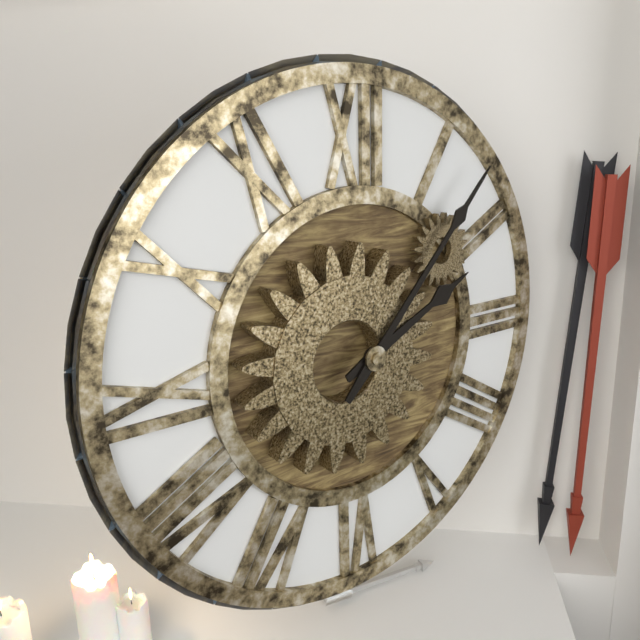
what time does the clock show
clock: 2:07
